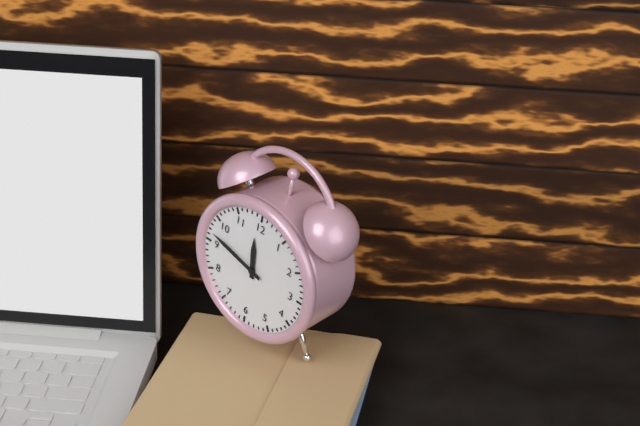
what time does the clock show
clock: 11:47
